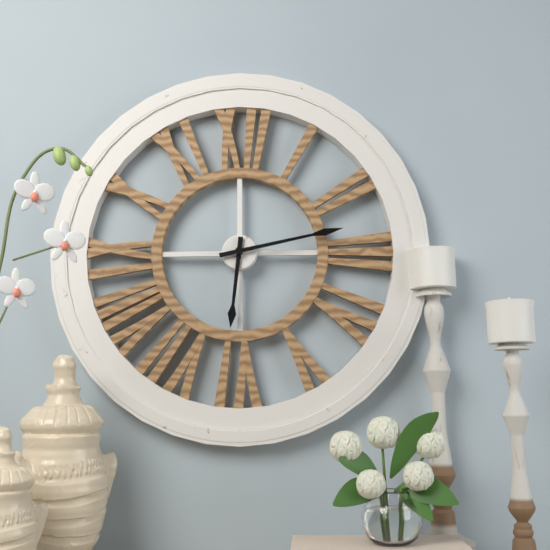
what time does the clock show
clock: 6:13
